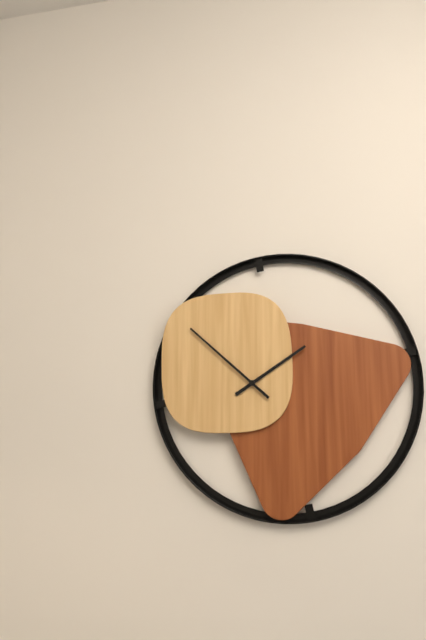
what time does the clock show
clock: 1:52
